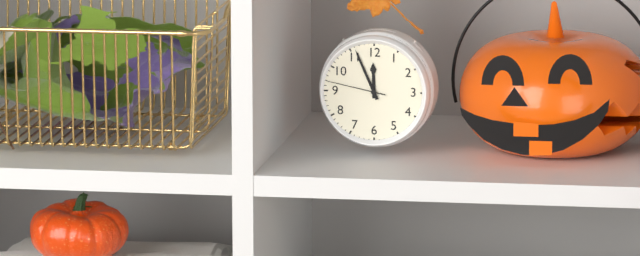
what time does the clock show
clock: 11:56:47
